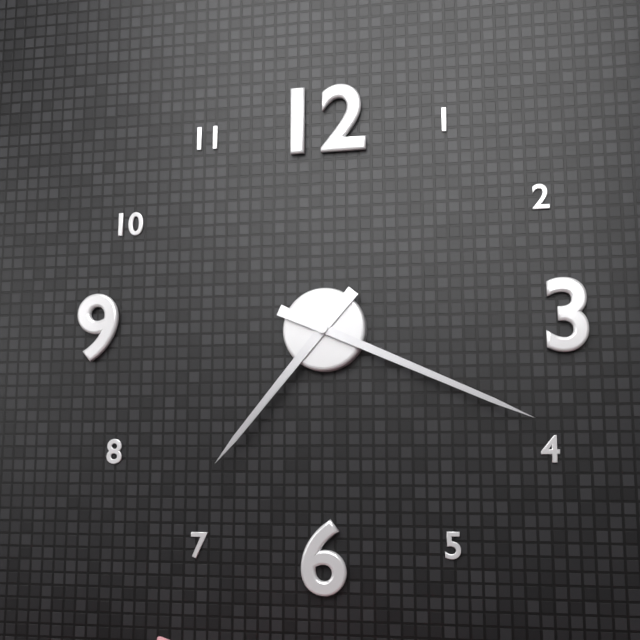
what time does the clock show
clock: 7:19
